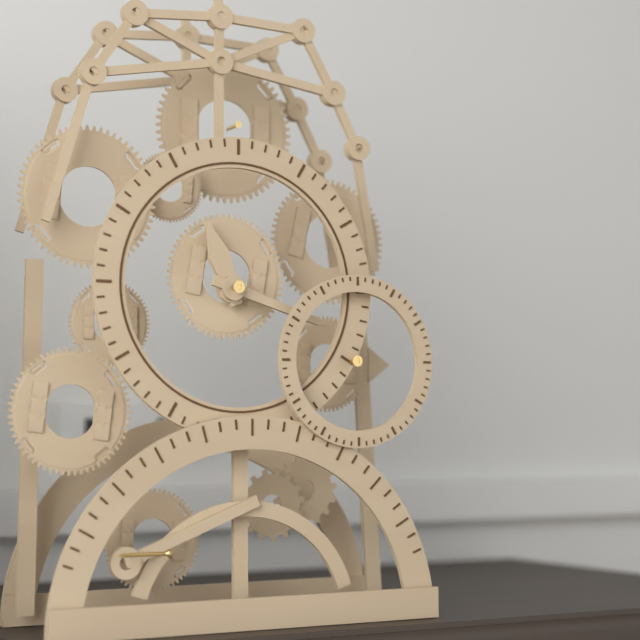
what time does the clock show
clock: 11:18
